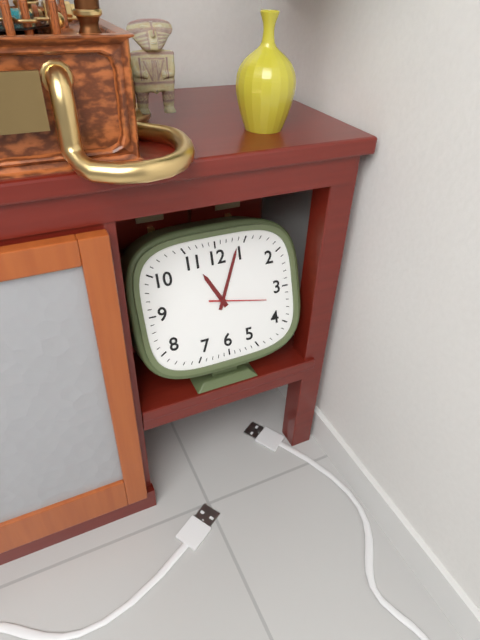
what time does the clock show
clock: 11:04:17
